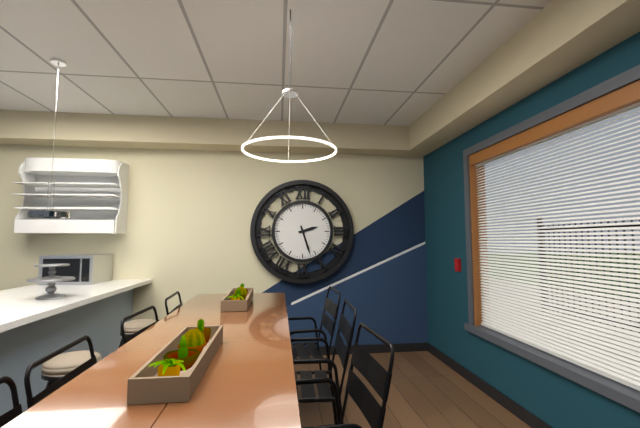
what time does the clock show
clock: 2:27
